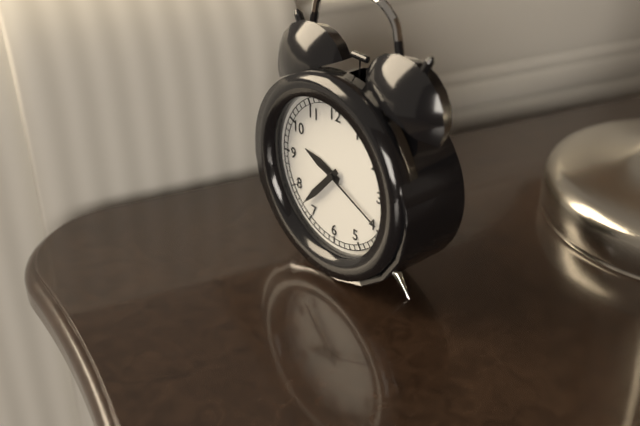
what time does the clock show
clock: 9:37:19
